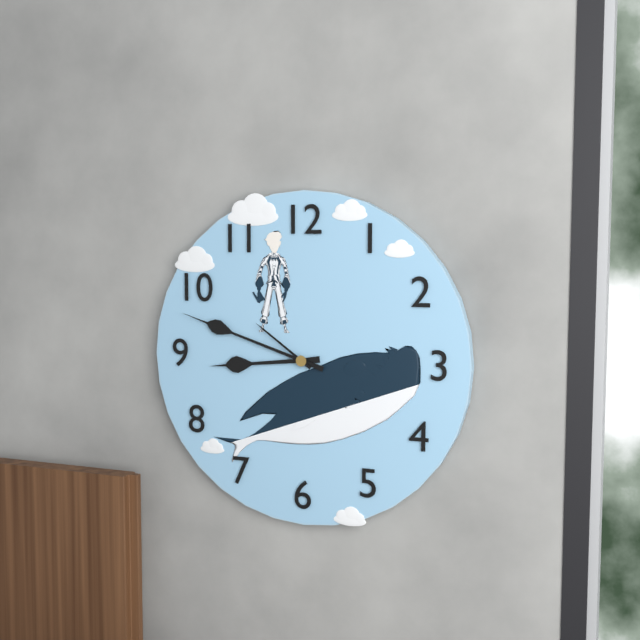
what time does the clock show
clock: 8:48:51
